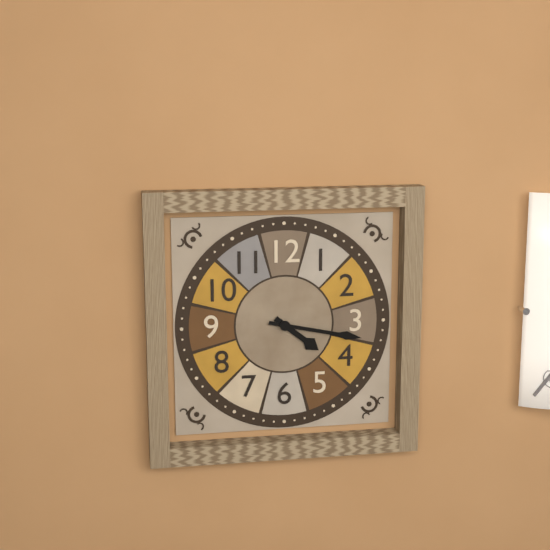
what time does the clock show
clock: 4:17
